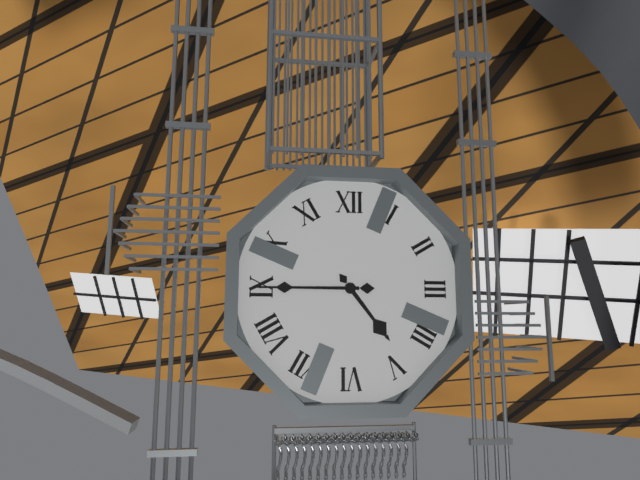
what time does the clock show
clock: 4:45
